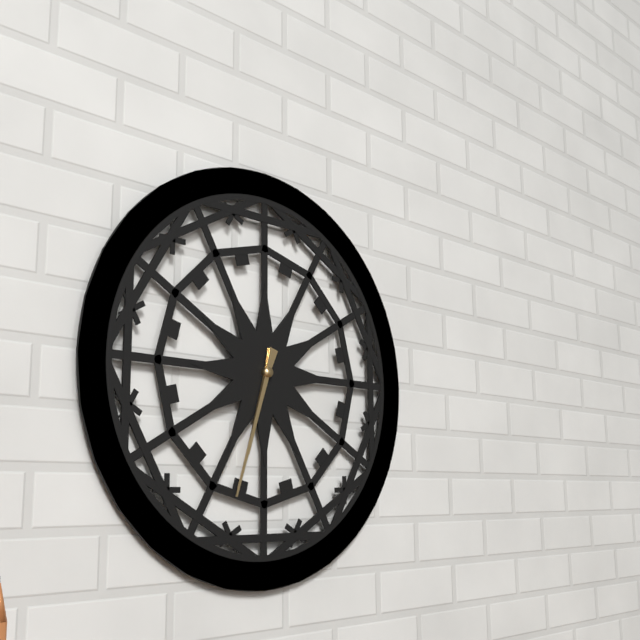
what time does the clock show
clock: 6:33
